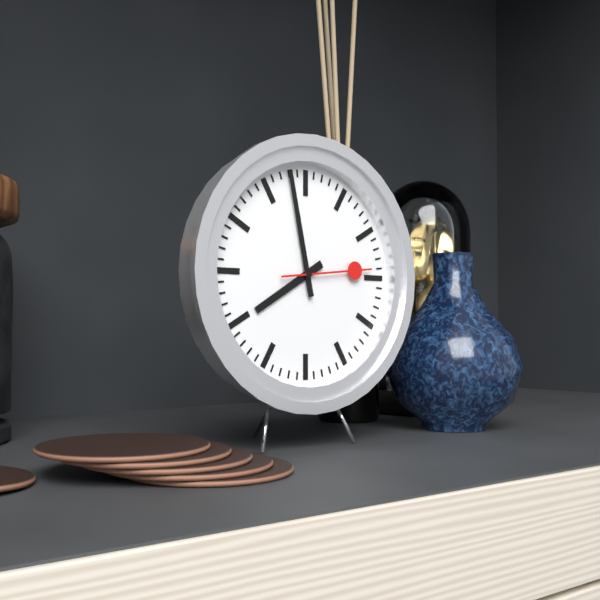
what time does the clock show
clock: 7:58:14
